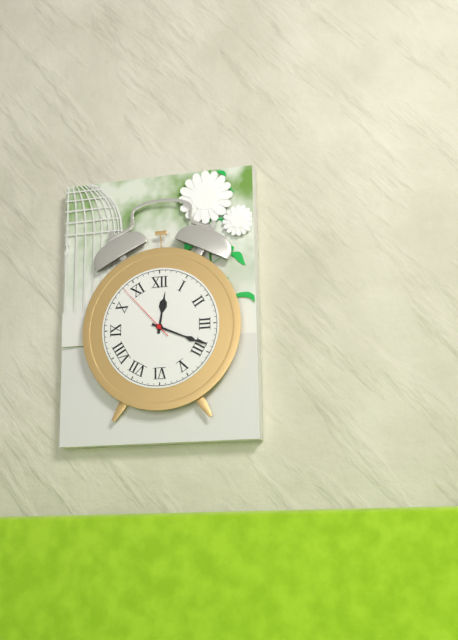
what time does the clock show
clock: 12:19:53
